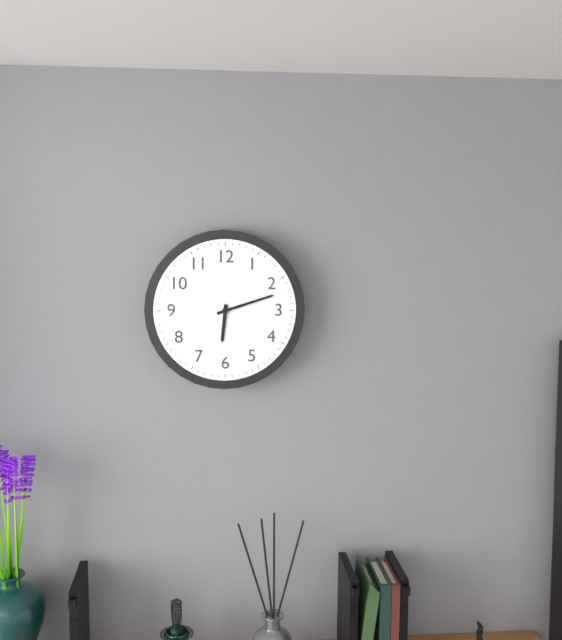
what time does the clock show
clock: 6:12
